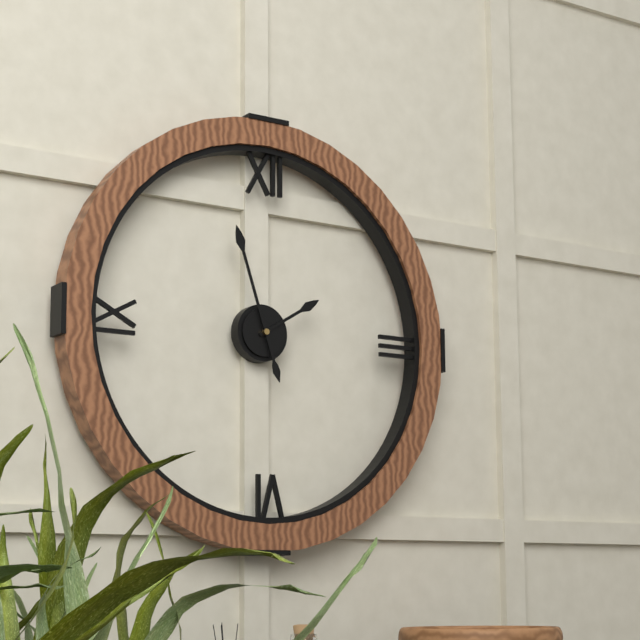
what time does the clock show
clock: 1:57
